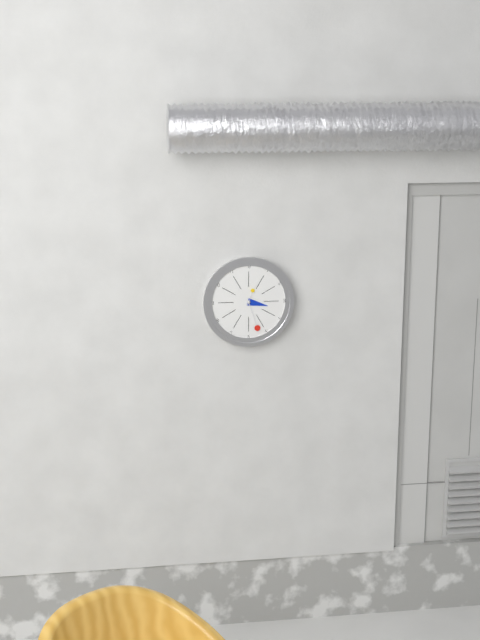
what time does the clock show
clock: 3:27
